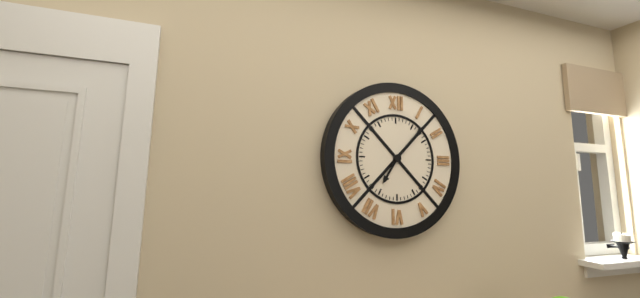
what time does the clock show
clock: 7:07
